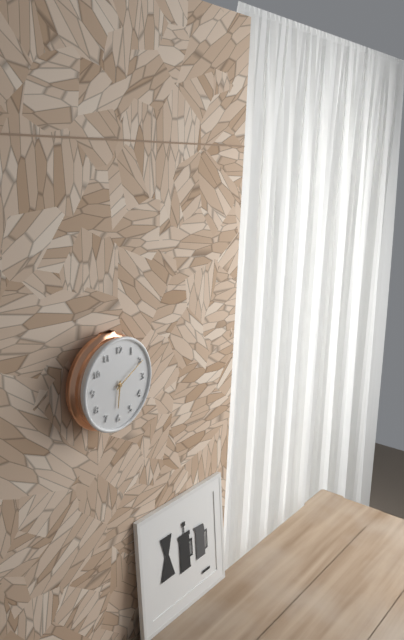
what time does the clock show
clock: 6:10
